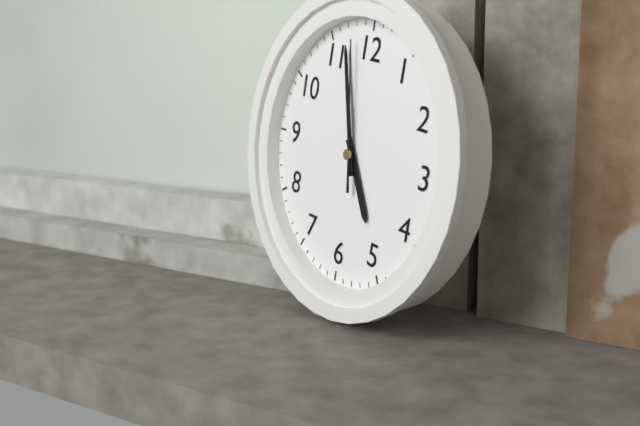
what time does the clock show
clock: 4:57:58
